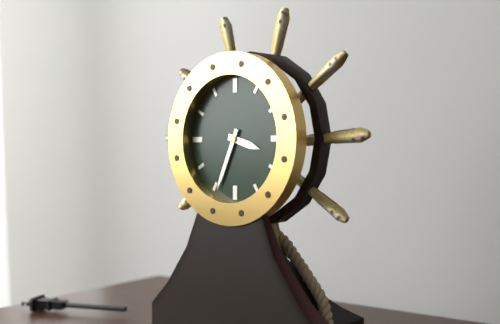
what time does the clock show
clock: 3:34
